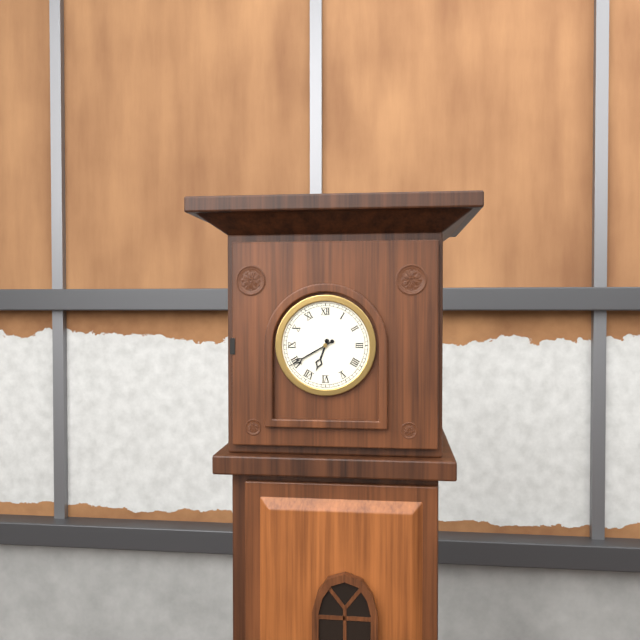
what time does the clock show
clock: 6:40
